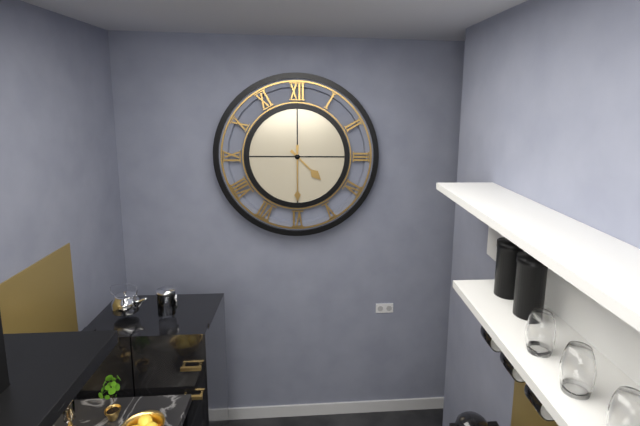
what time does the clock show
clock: 4:30
